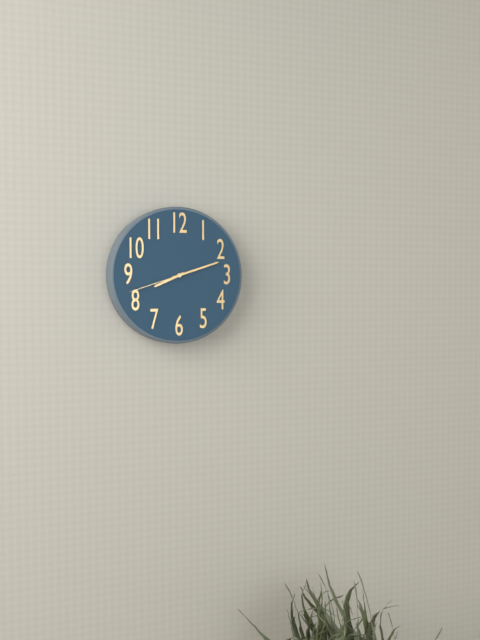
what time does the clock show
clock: 8:12:42
